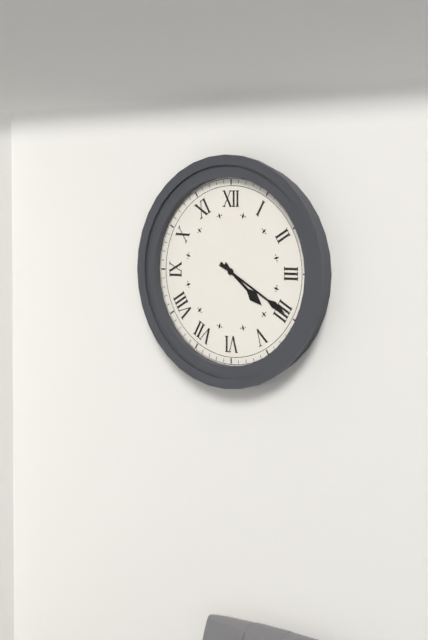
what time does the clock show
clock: 4:20
